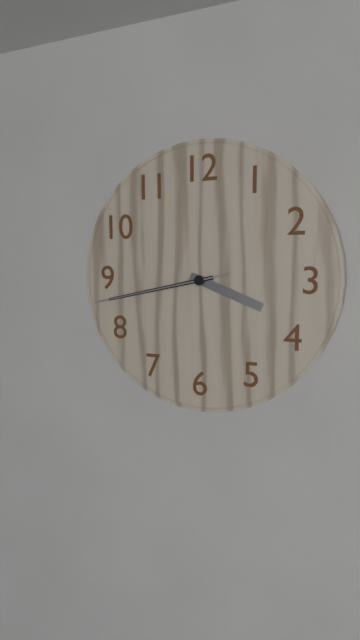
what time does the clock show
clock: 3:43:43
